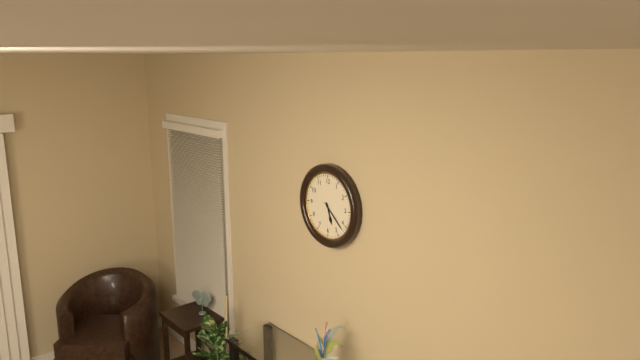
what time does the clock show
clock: 5:22
